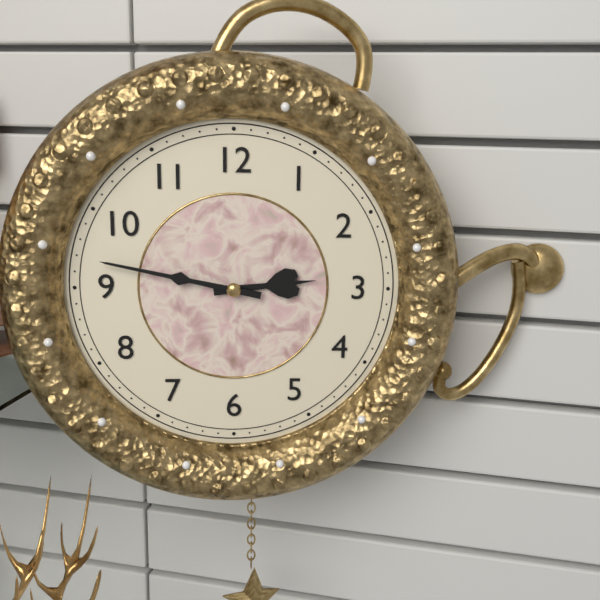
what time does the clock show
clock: 2:47
